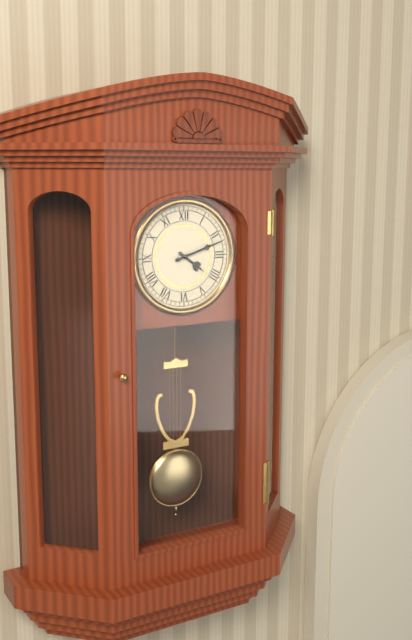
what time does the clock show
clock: 4:12
